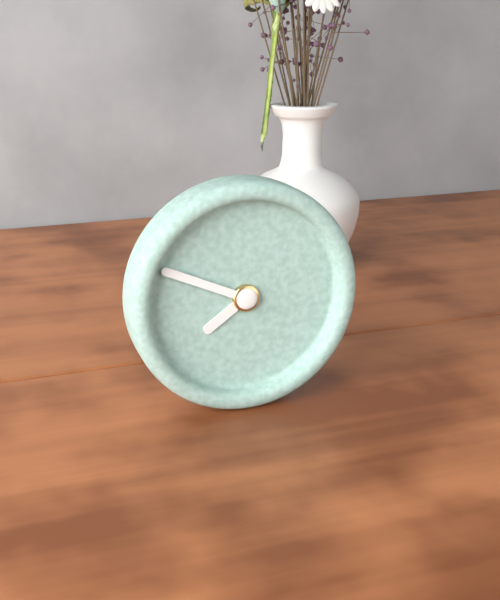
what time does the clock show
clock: 7:49
